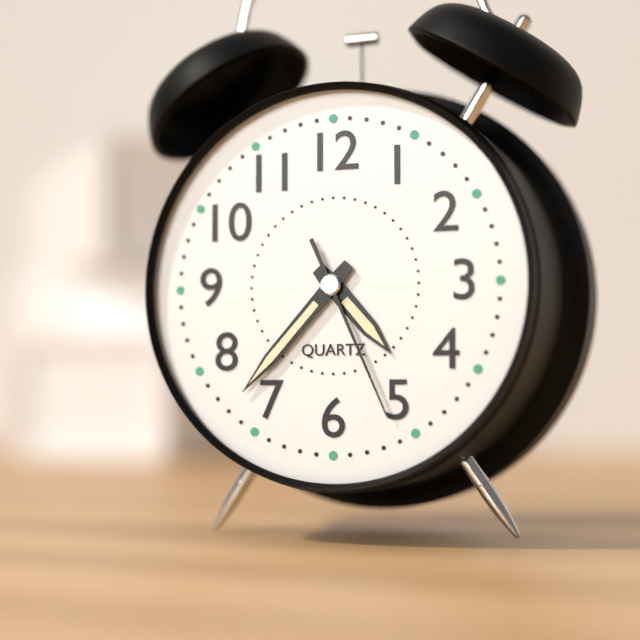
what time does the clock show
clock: 4:37:26
